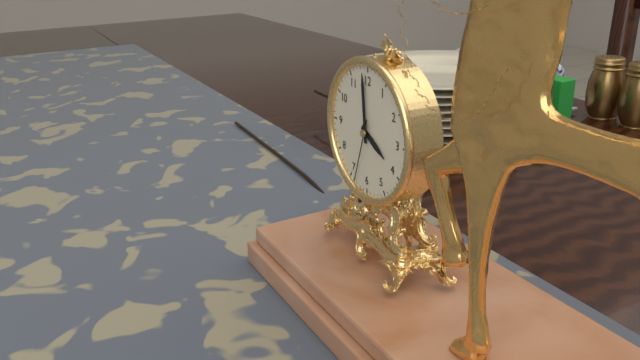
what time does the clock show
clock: 3:59:33
